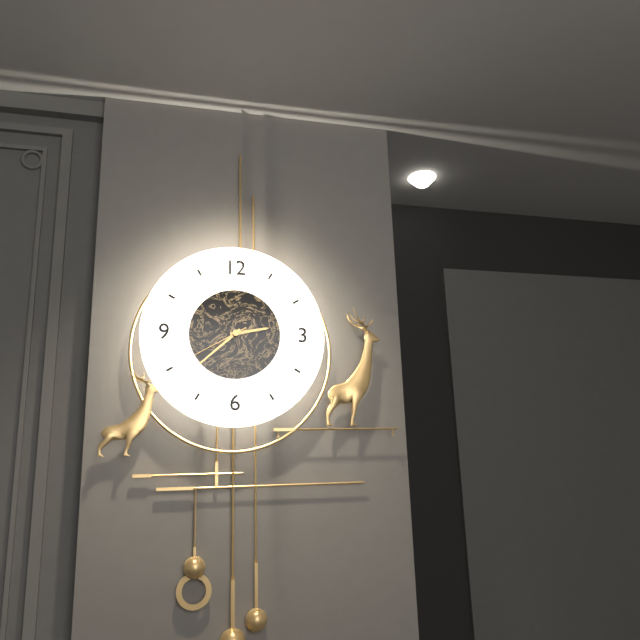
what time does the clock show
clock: 2:38:40
